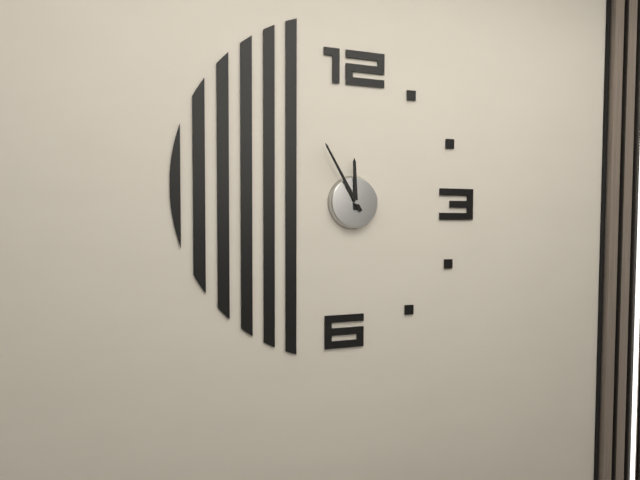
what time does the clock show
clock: 11:55
